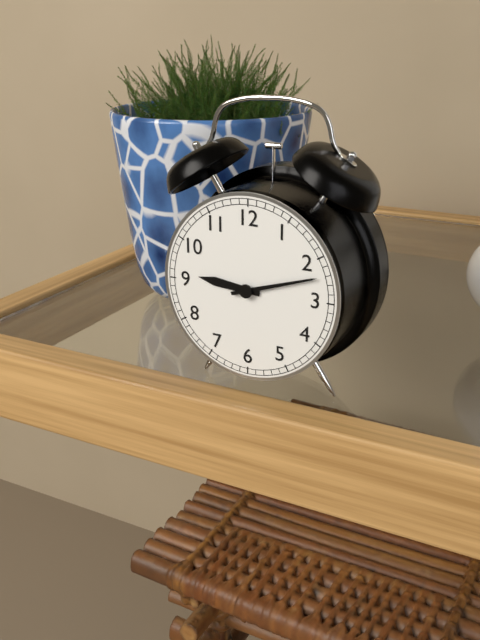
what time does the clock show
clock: 9:12
